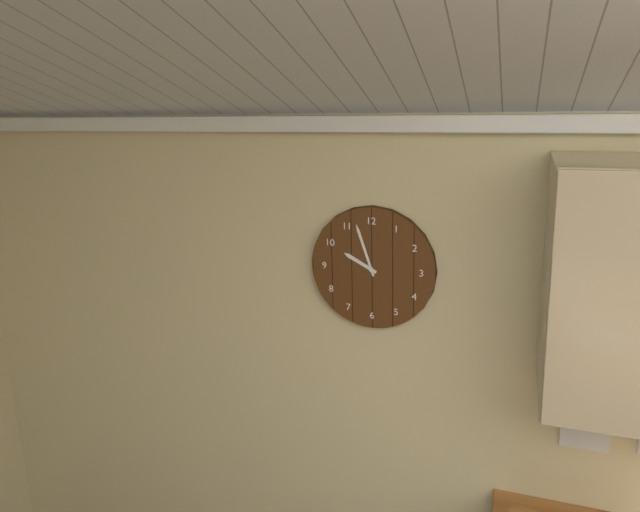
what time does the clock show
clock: 9:57
